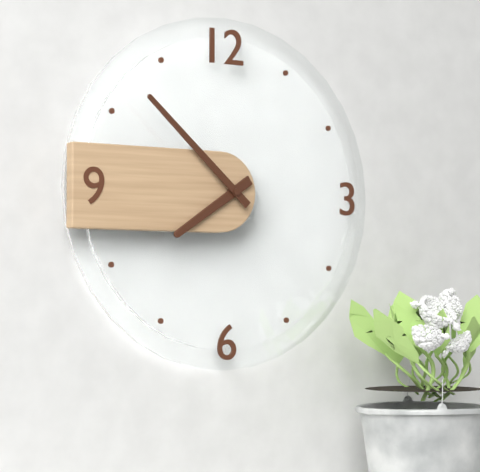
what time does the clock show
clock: 7:52
